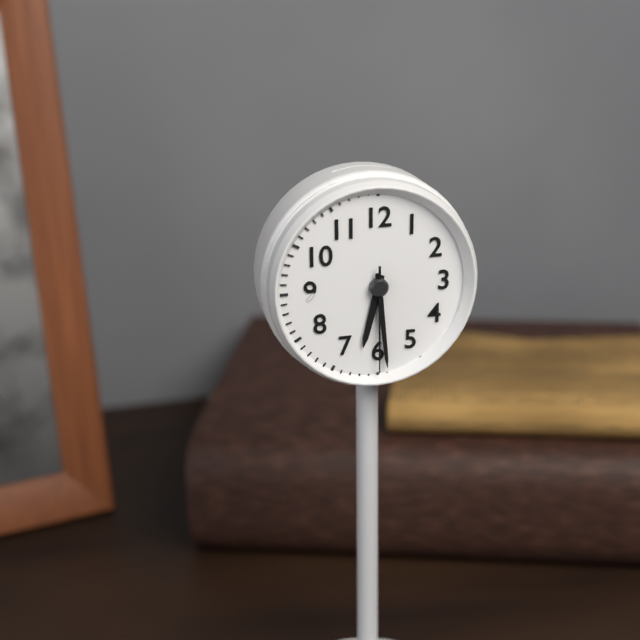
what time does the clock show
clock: 6:29:30
